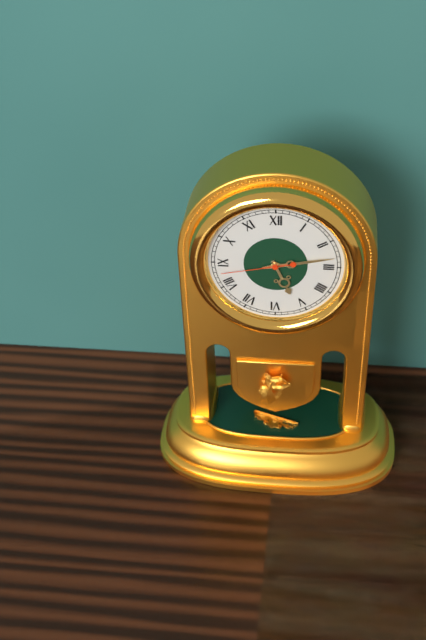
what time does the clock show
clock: 5:13:43
